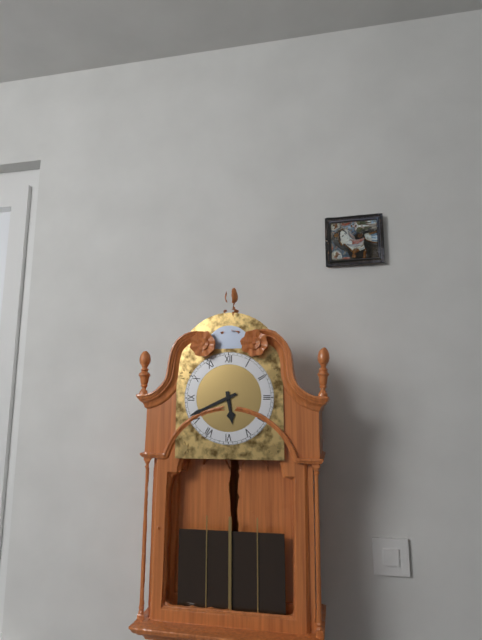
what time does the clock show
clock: 5:41
